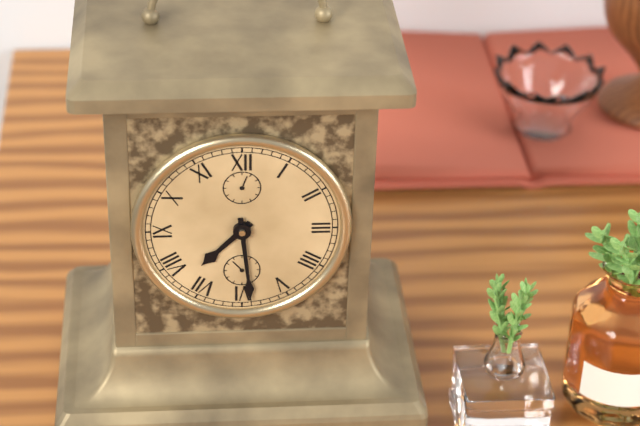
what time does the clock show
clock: 7:29
